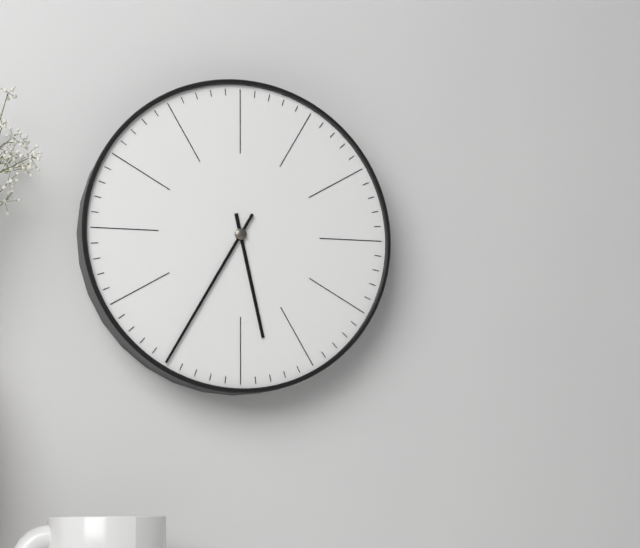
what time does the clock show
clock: 5:35
